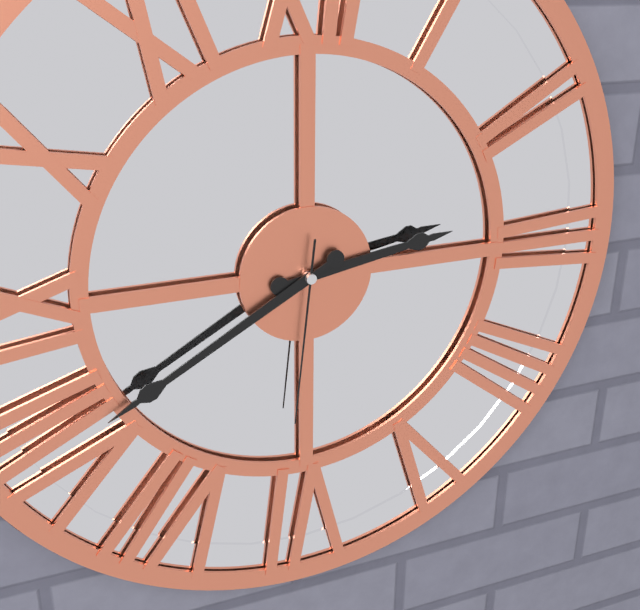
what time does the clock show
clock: 2:40:31
